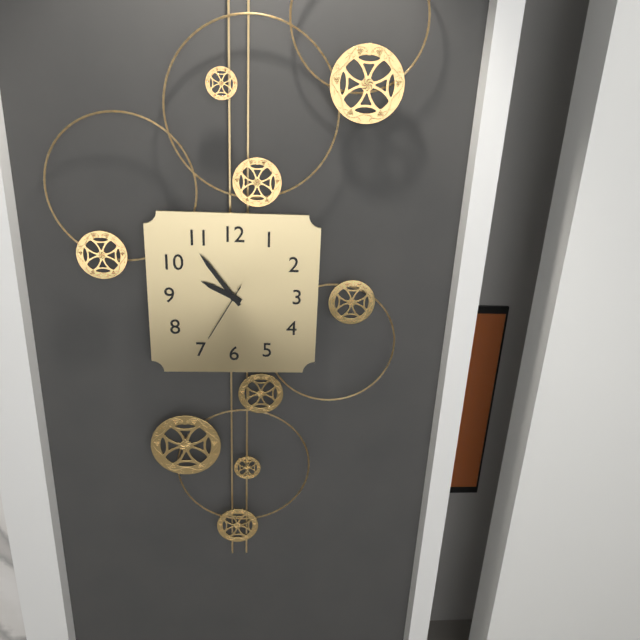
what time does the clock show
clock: 9:54:35
